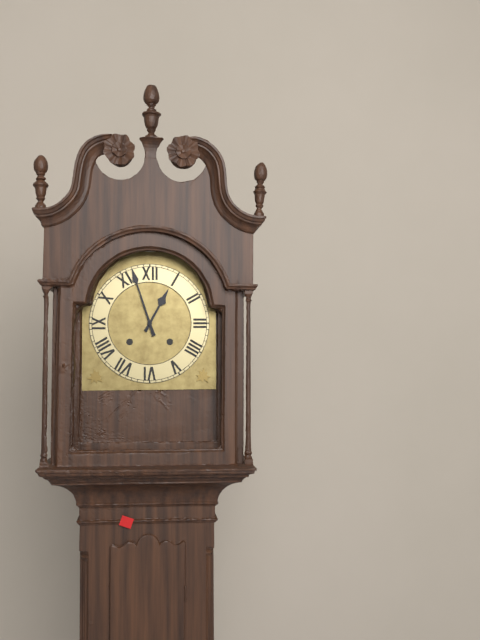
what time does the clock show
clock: 12:57
